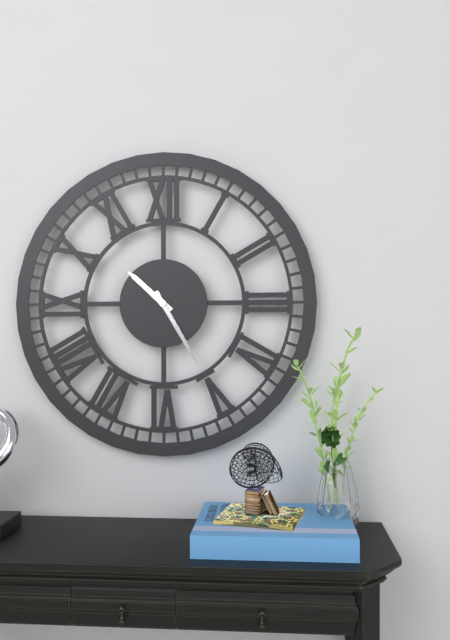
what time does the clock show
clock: 10:25
